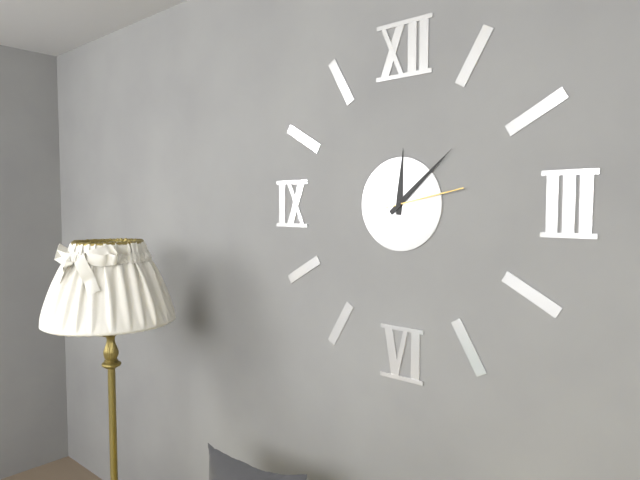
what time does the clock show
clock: 12:08:13
